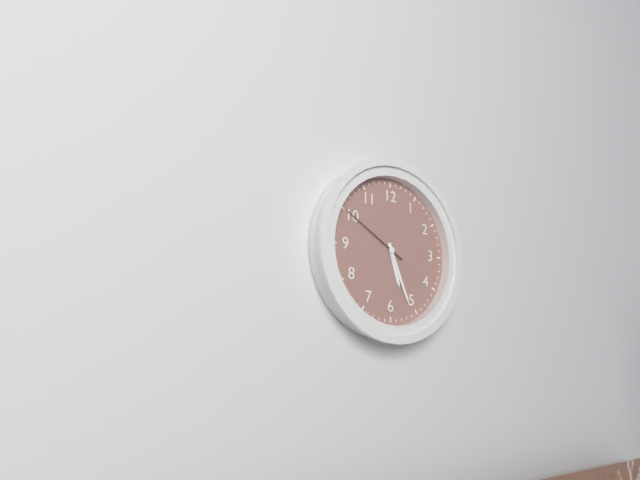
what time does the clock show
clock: 5:26:50
